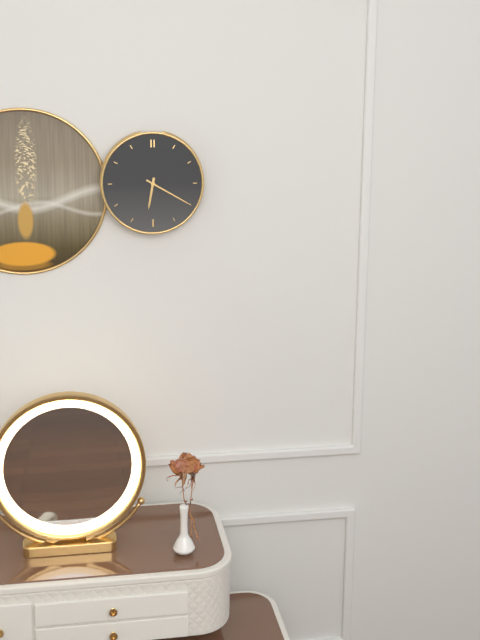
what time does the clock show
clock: 6:20
